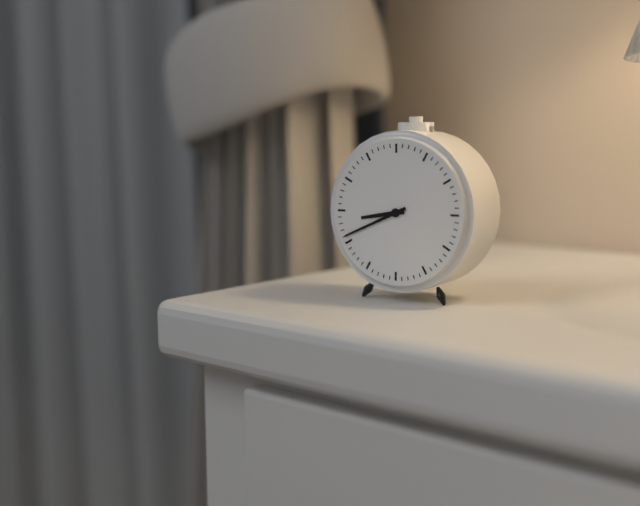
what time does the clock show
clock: 8:41
